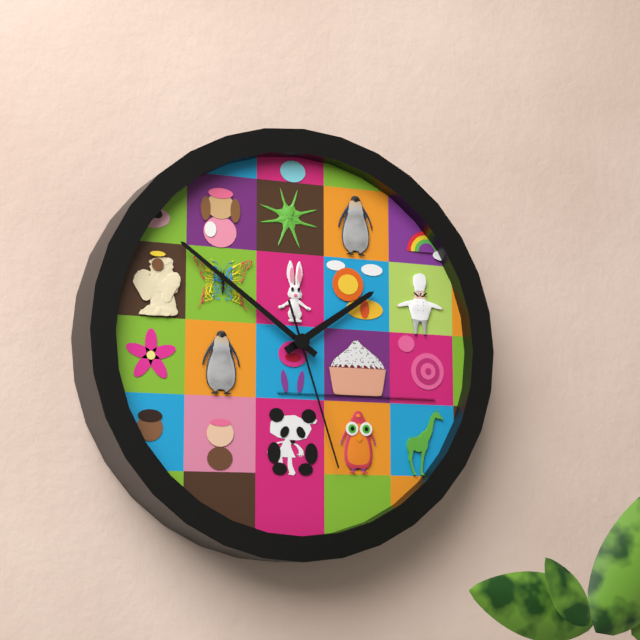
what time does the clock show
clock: 1:51:27
